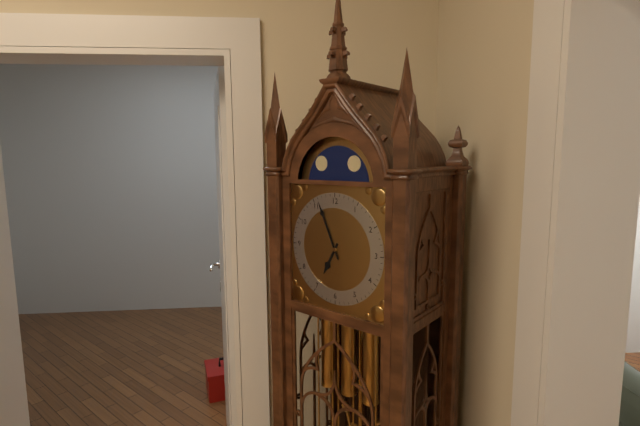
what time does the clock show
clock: 6:56
